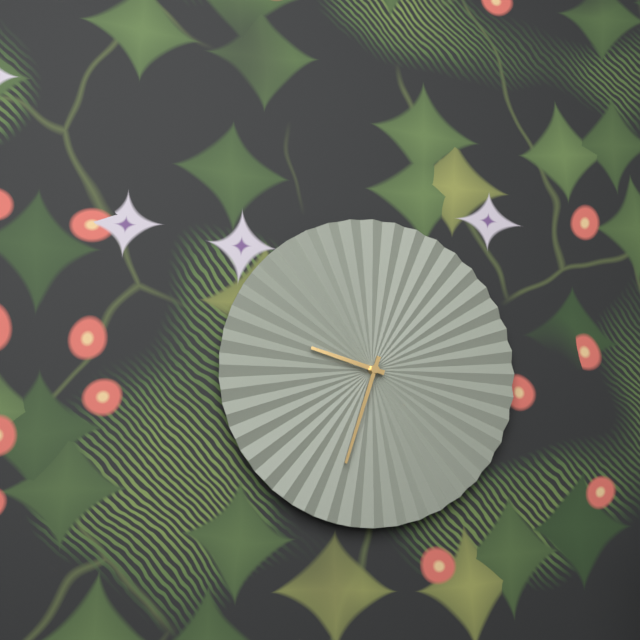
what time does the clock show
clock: 9:33
